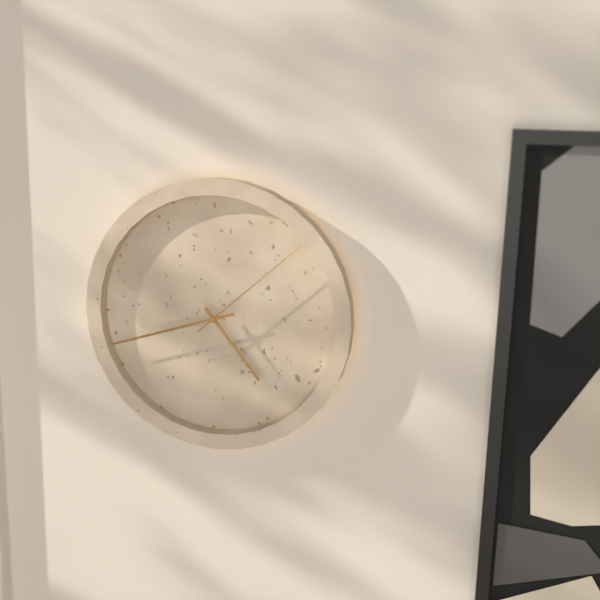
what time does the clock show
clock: 4:42:08
